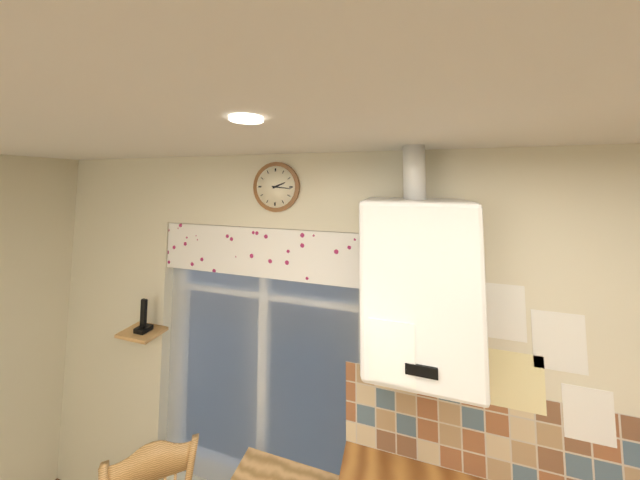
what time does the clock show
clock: 2:16
